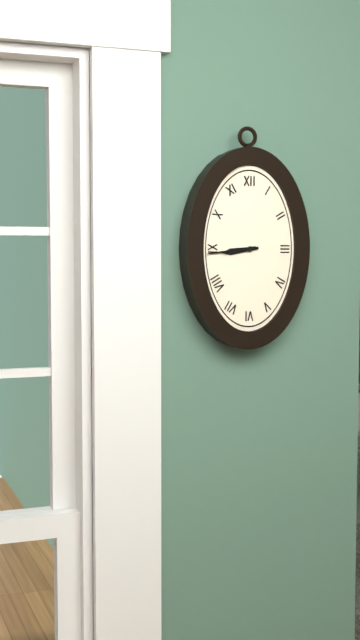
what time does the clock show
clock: 8:44
